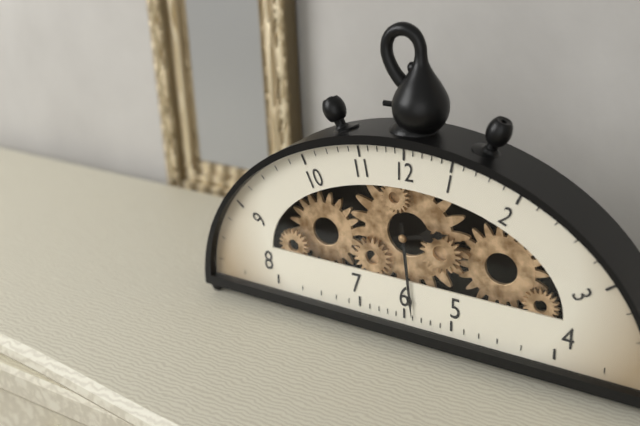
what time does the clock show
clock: 2:29
